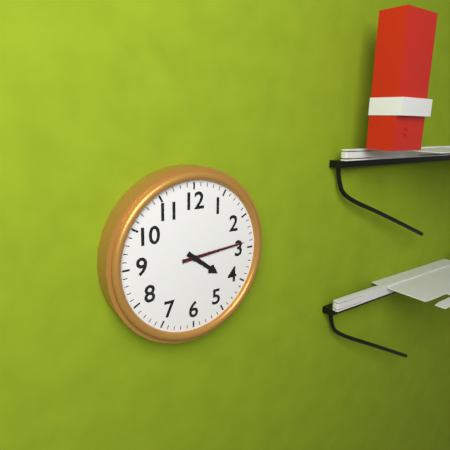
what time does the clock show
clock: 4:14
